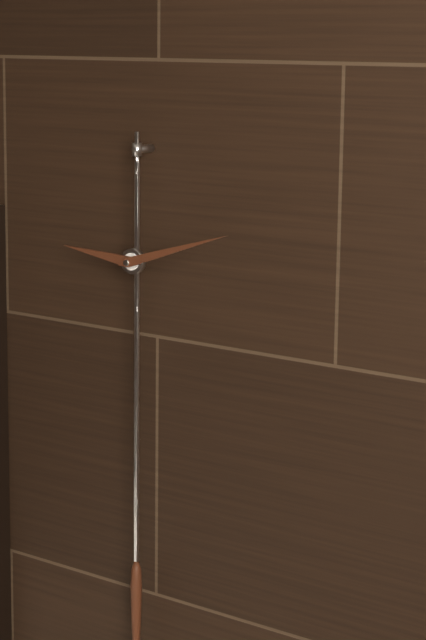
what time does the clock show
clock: 9:12
